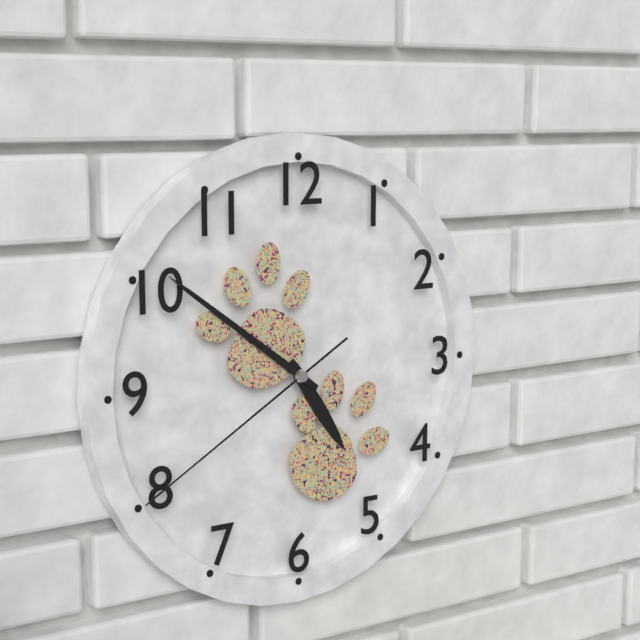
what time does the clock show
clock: 4:51:40
